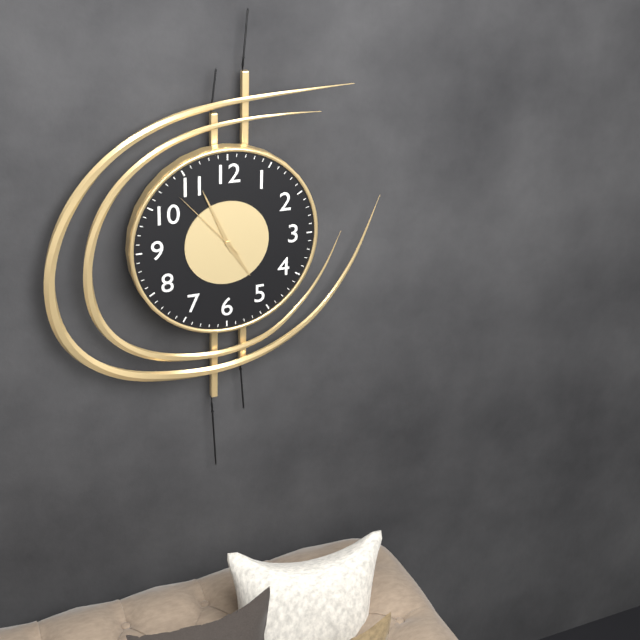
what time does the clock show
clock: 4:56:53
